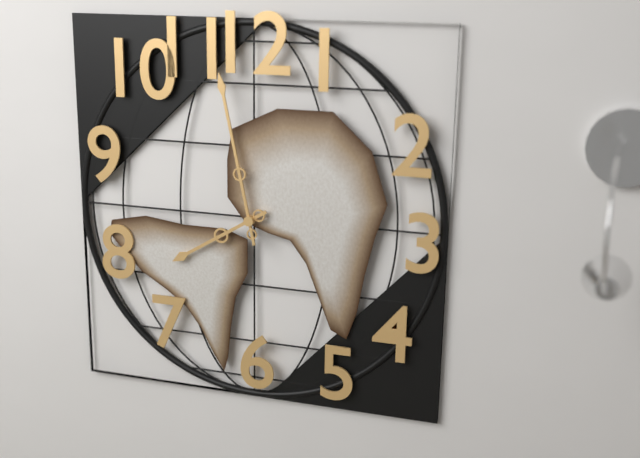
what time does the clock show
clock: 7:58
